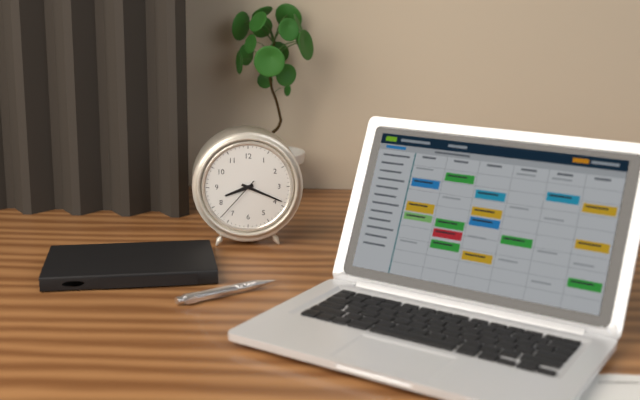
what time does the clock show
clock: 8:19
